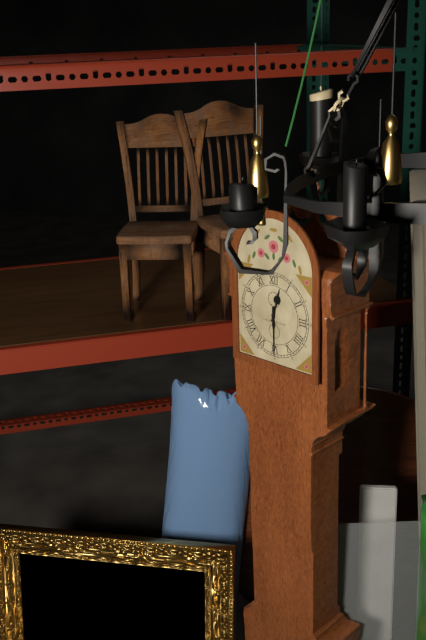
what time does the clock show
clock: 12:30
